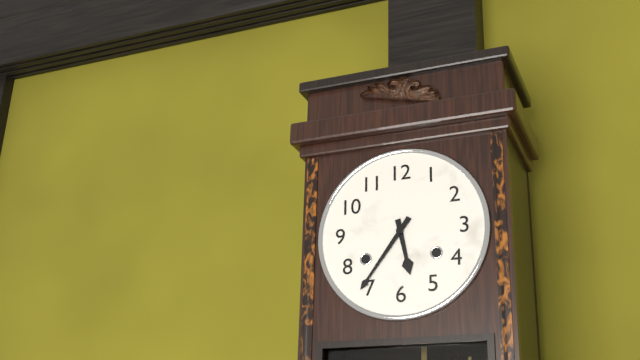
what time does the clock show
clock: 5:36
